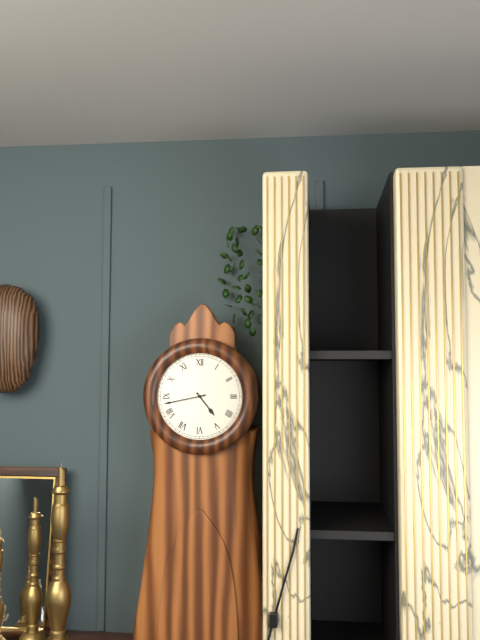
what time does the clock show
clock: 4:43
